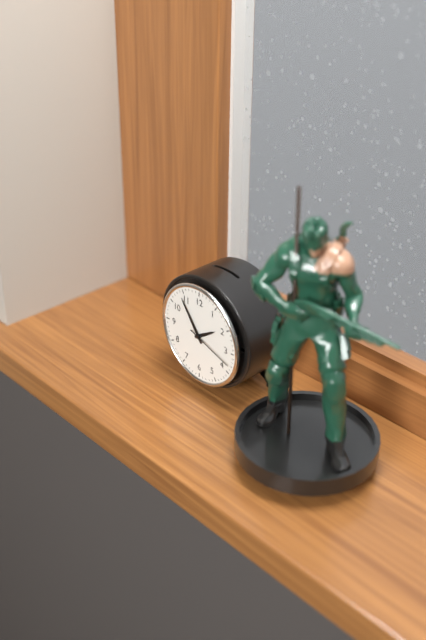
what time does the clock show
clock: 1:54:18
